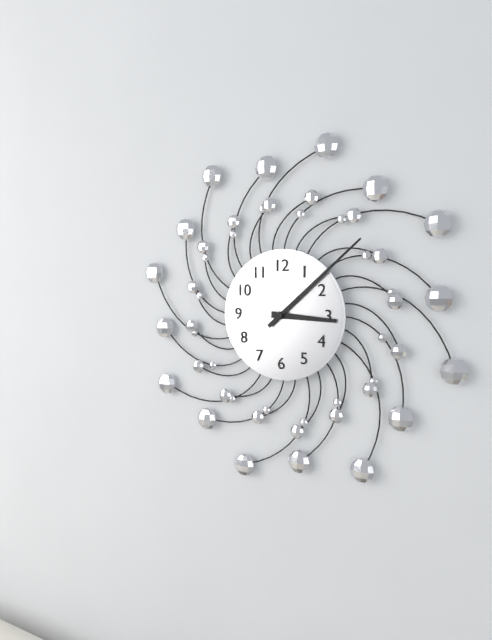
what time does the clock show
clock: 3:08
